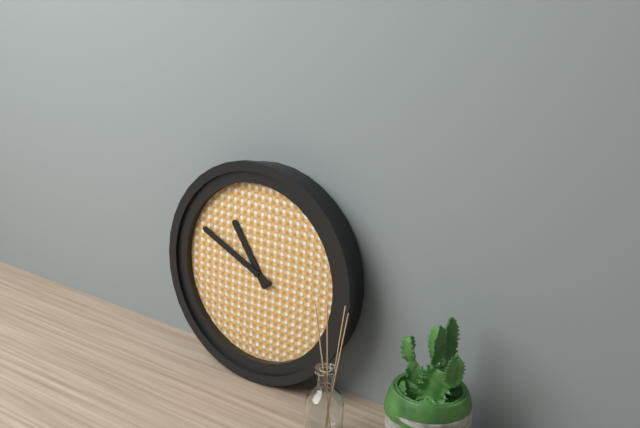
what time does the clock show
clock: 10:49
